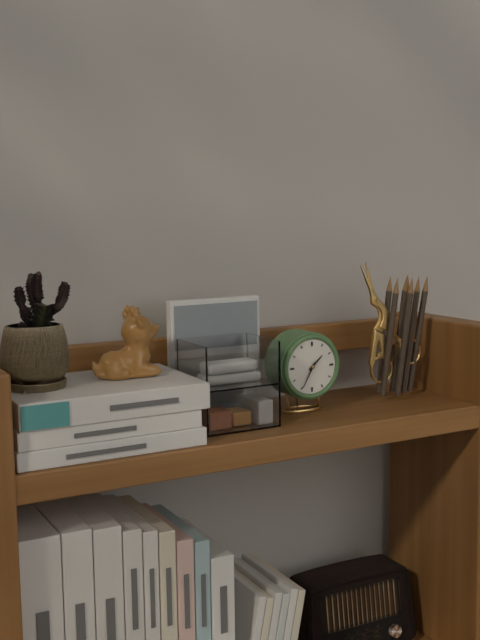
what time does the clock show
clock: 1:35
